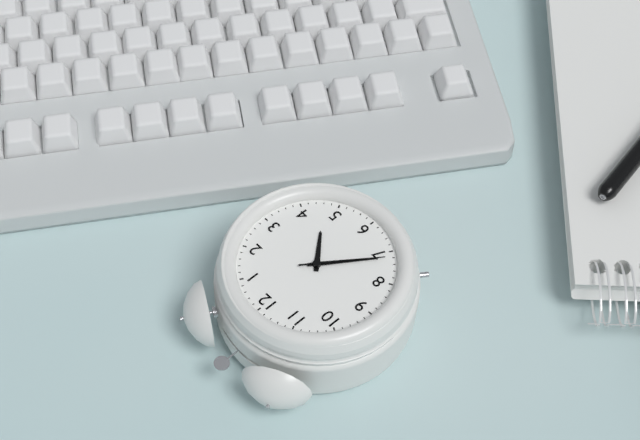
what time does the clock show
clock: 4:36:36
